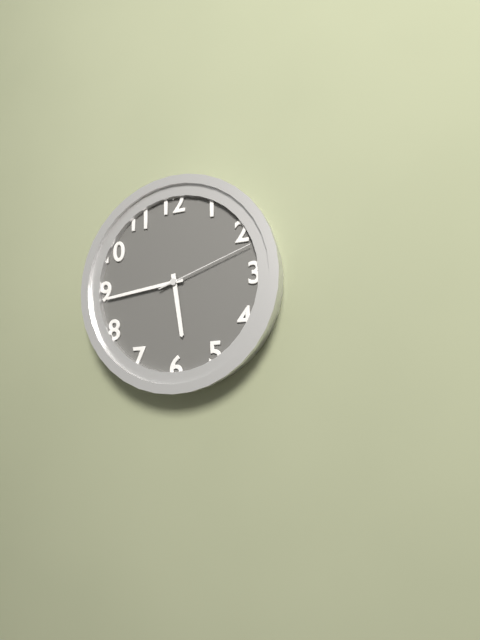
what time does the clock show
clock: 5:44:12
